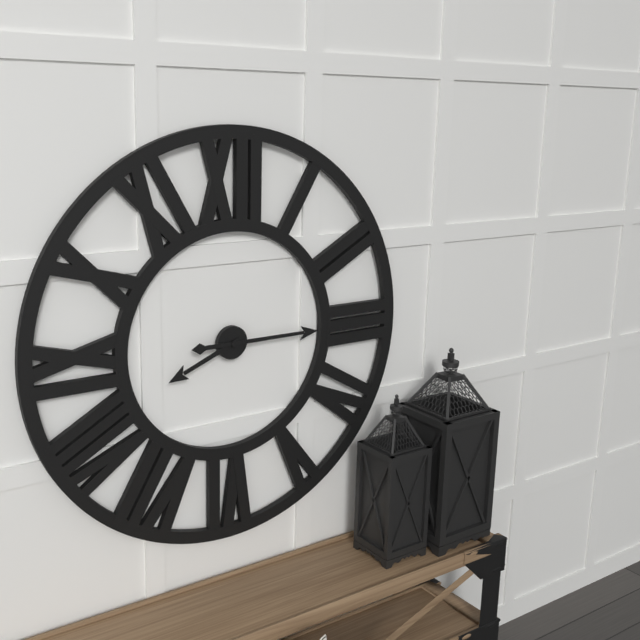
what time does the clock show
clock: 8:15
